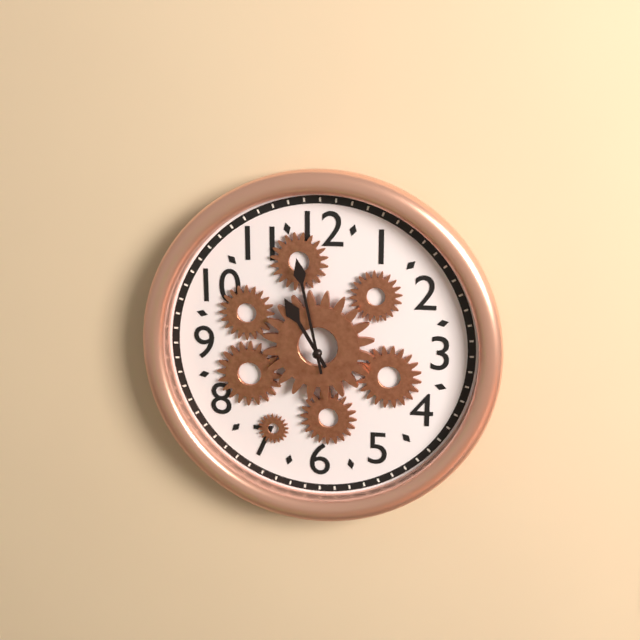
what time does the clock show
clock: 10:58
